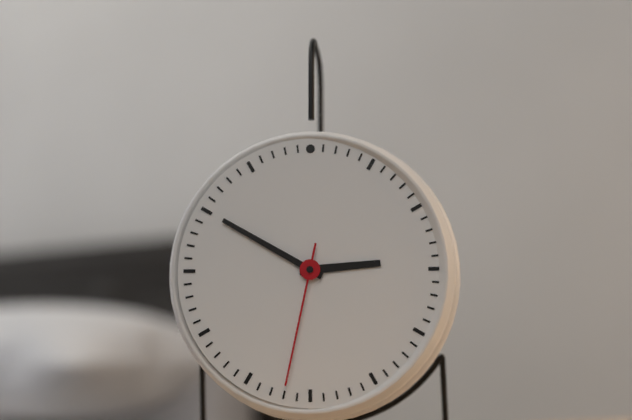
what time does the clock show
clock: 2:50:32
